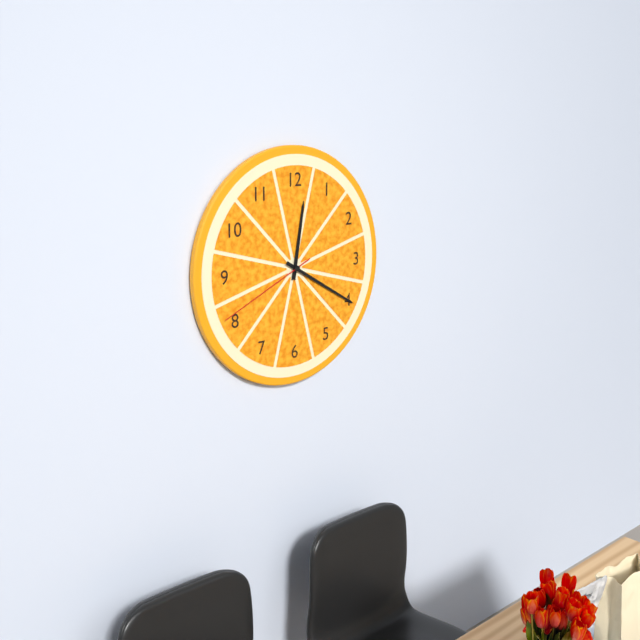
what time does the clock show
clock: 12:20:41
